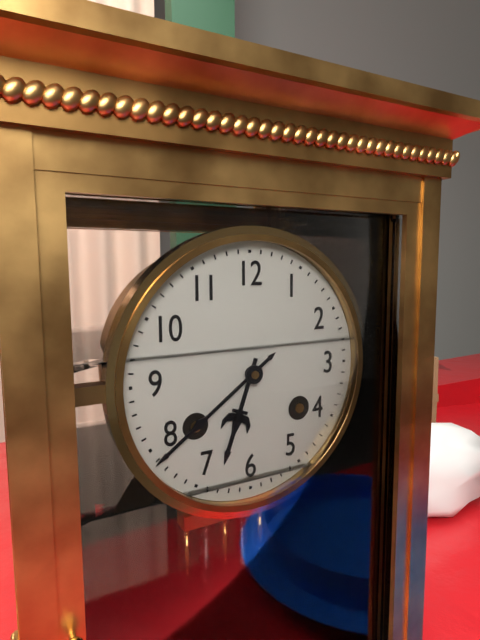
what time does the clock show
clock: 6:39
